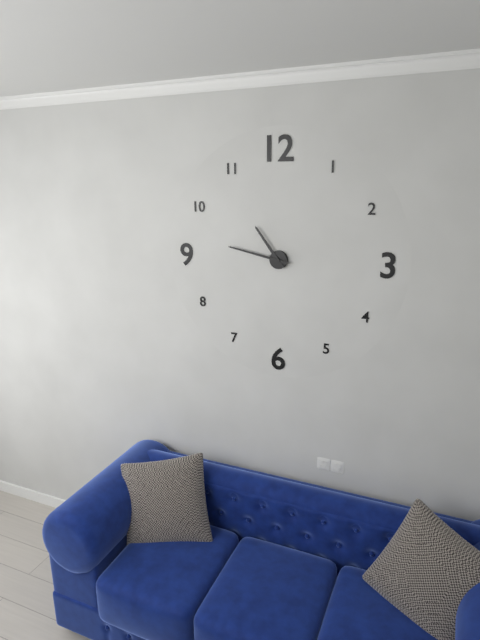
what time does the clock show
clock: 10:47
